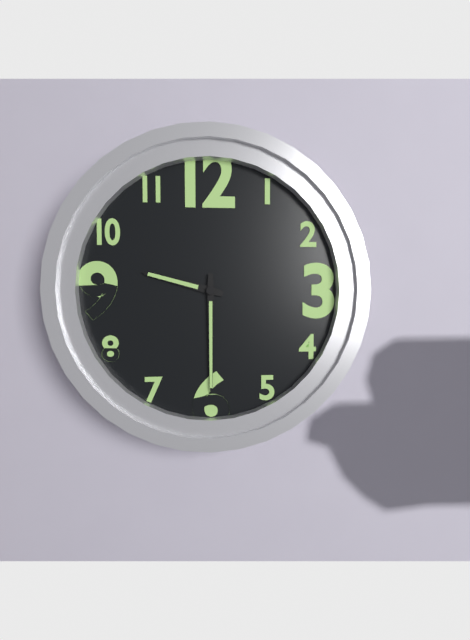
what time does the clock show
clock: 9:30
